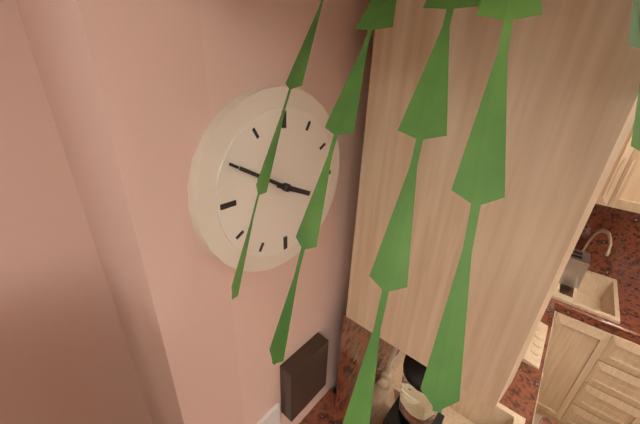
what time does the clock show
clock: 3:50
